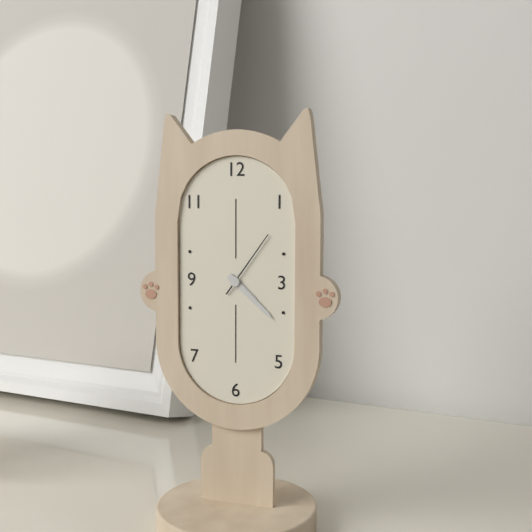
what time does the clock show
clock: 4:22:06
